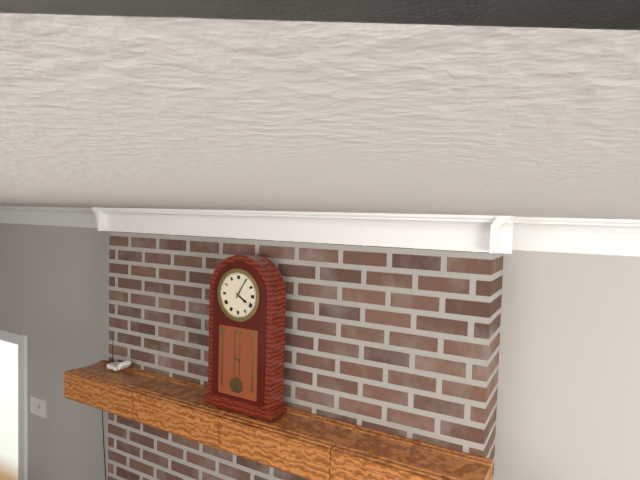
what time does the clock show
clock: 4:05
